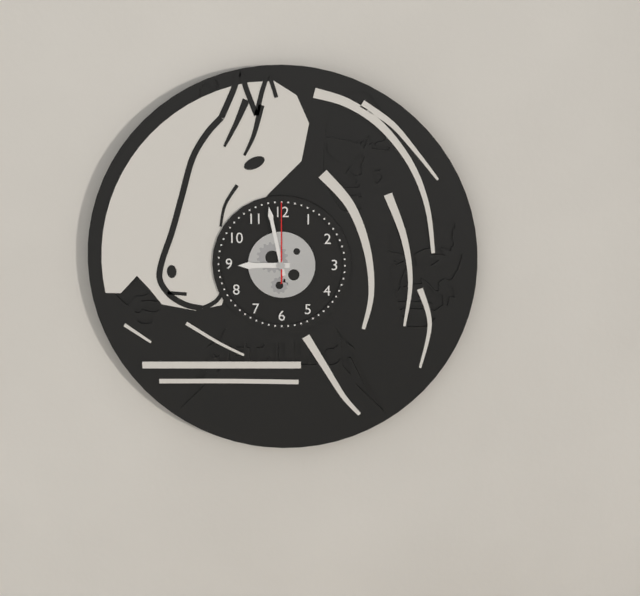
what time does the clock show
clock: 8:58:00
